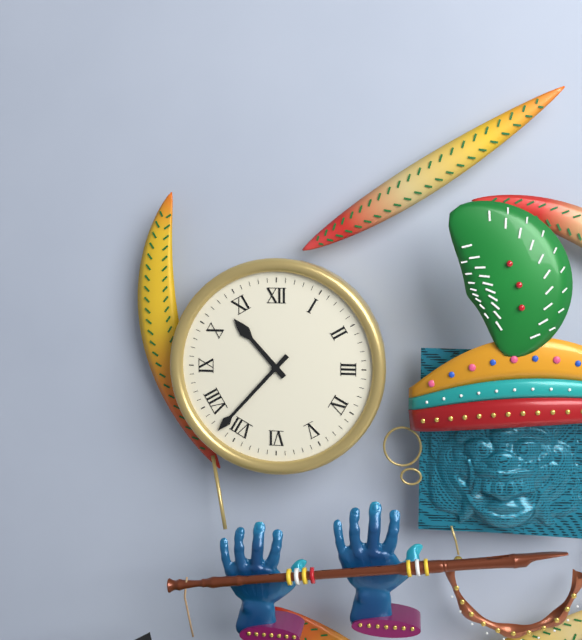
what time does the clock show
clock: 10:37
